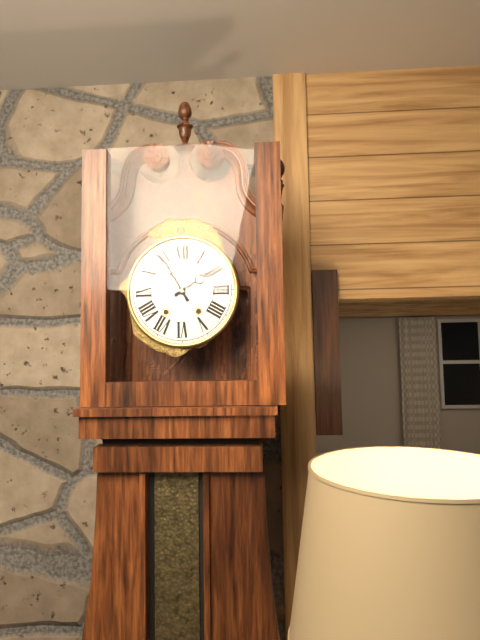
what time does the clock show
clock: 1:55
